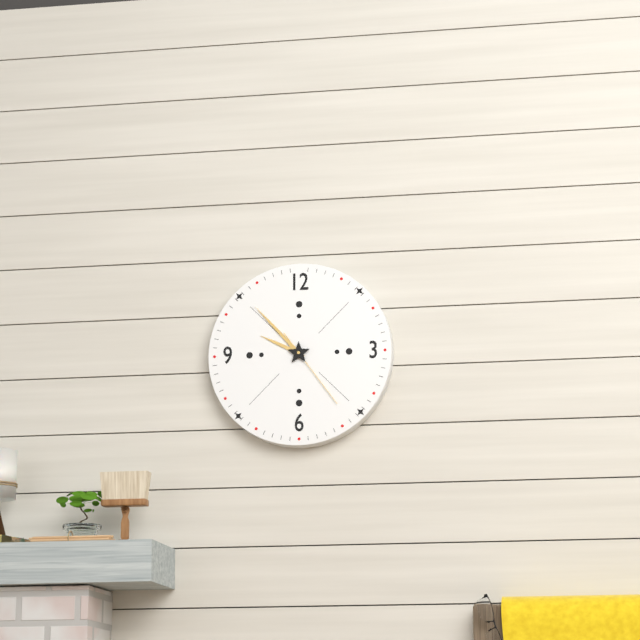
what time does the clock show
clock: 9:53:24
